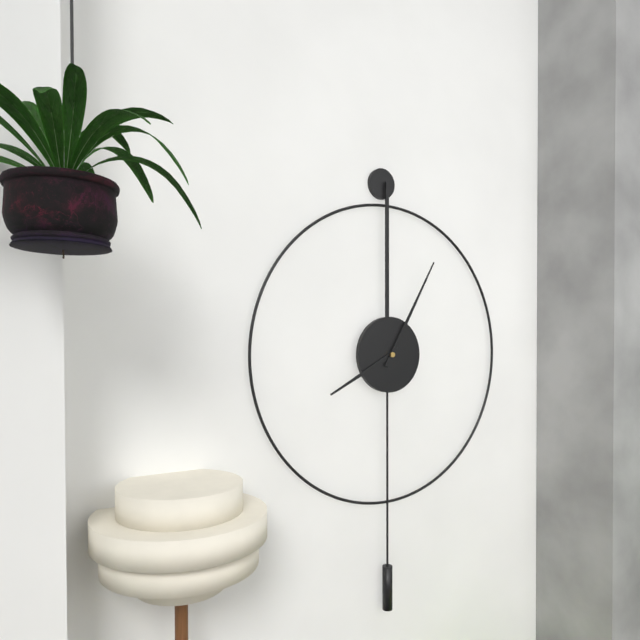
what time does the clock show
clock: 8:05
